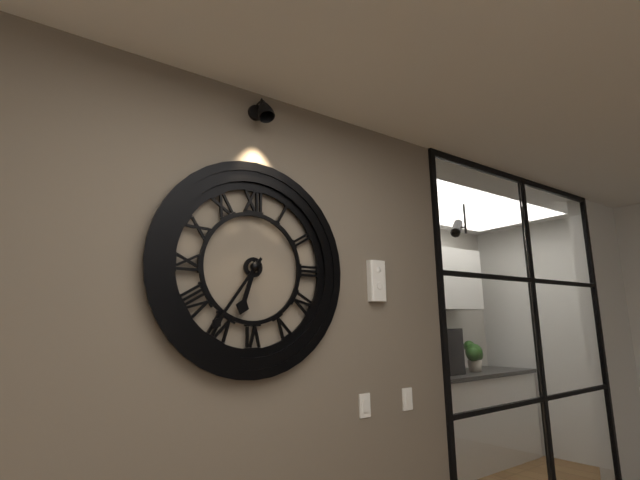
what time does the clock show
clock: 6:36
